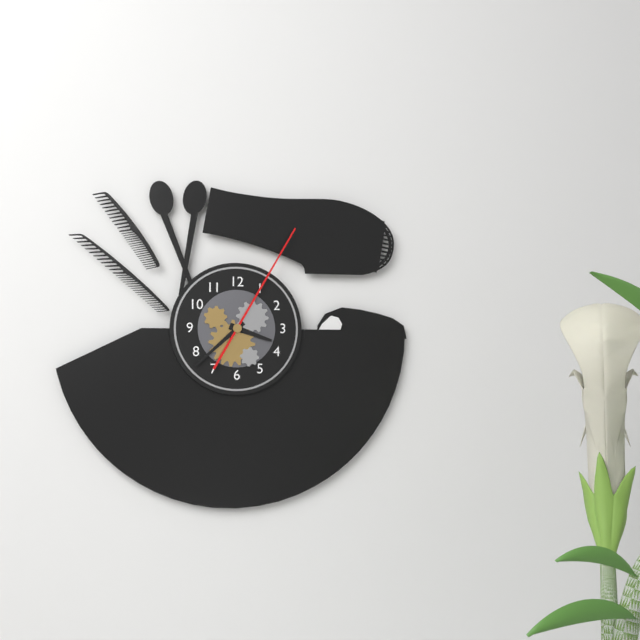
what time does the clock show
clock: 3:38:05
